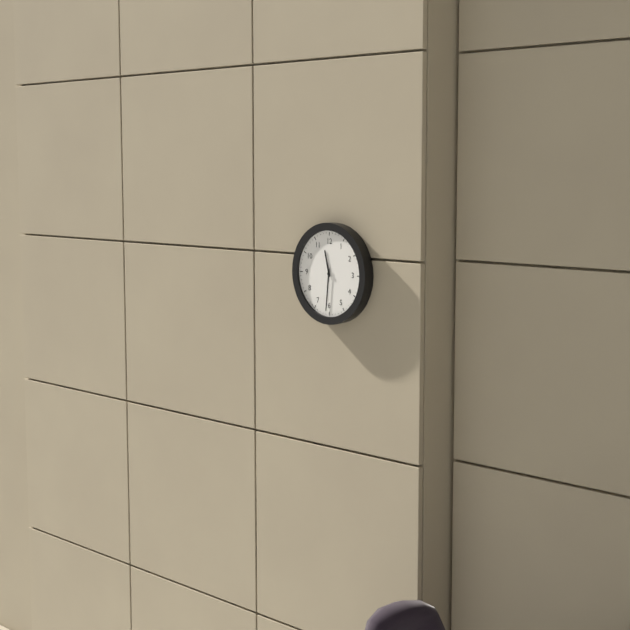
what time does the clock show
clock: 11:31
